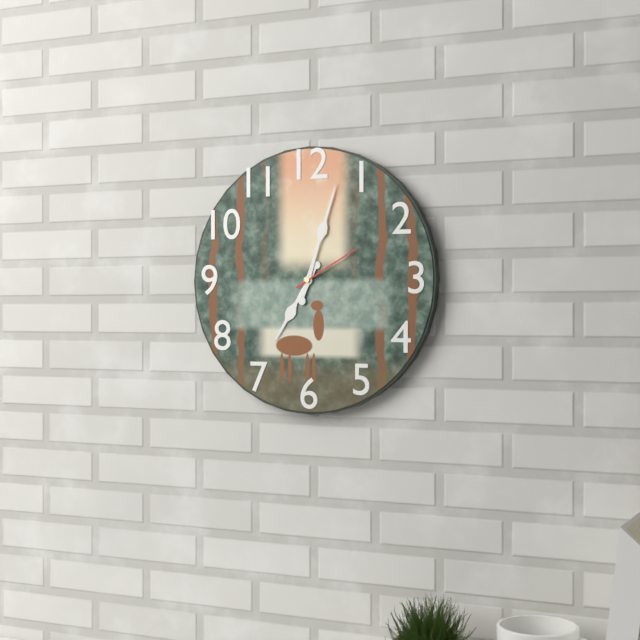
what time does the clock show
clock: 7:03:10
